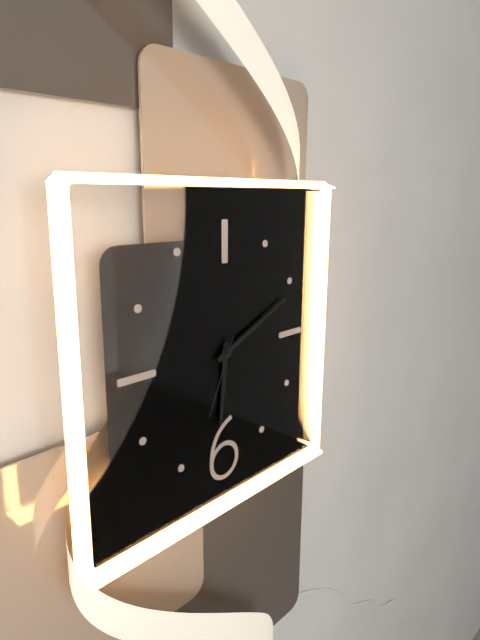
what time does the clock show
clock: 6:11:34
